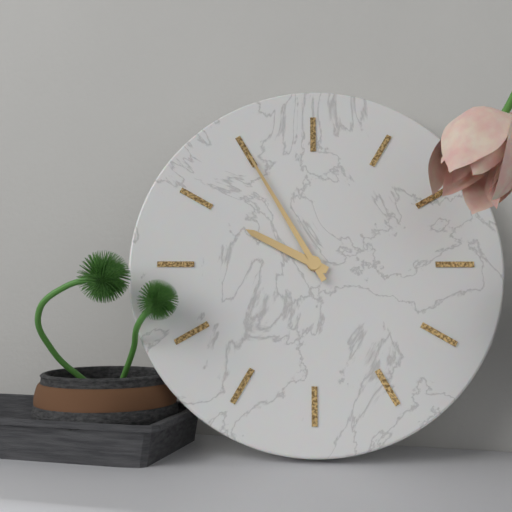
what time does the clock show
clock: 9:55
